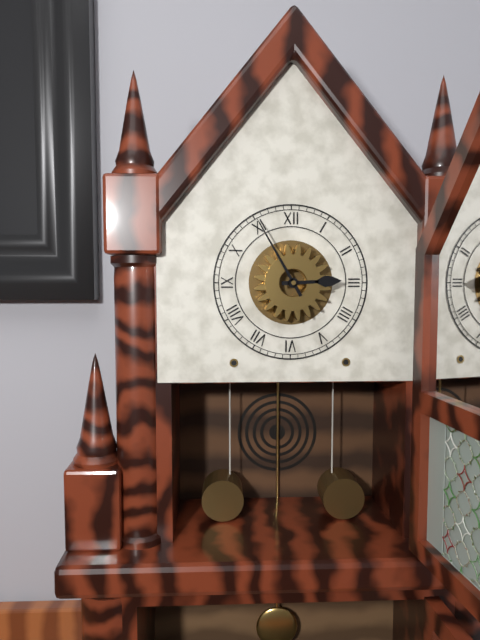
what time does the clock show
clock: 2:55
